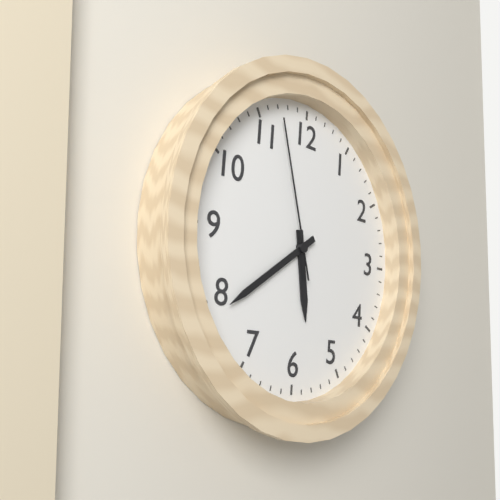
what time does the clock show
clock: 5:39:57
